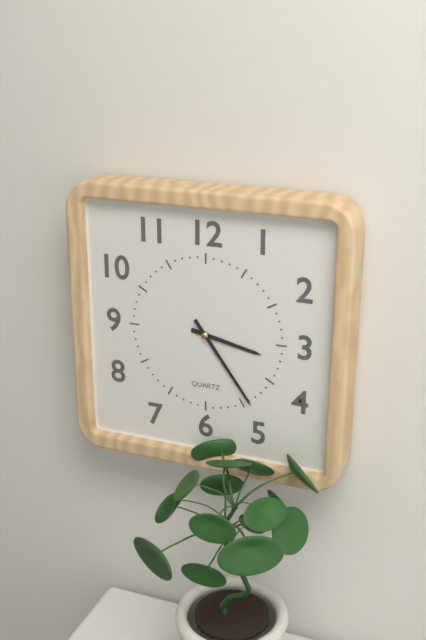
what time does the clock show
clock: 3:24
